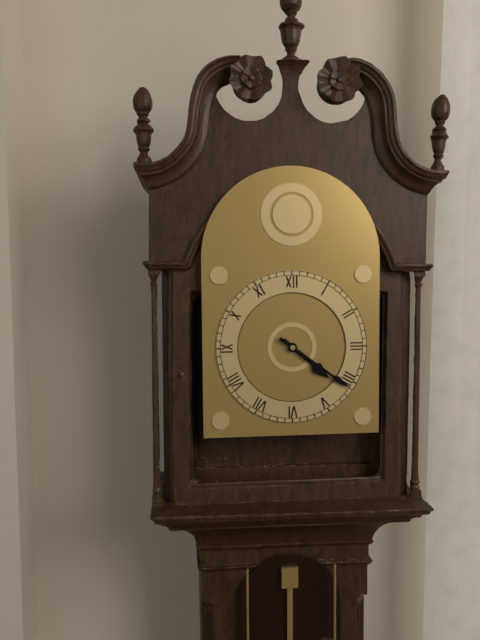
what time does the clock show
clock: 4:21
